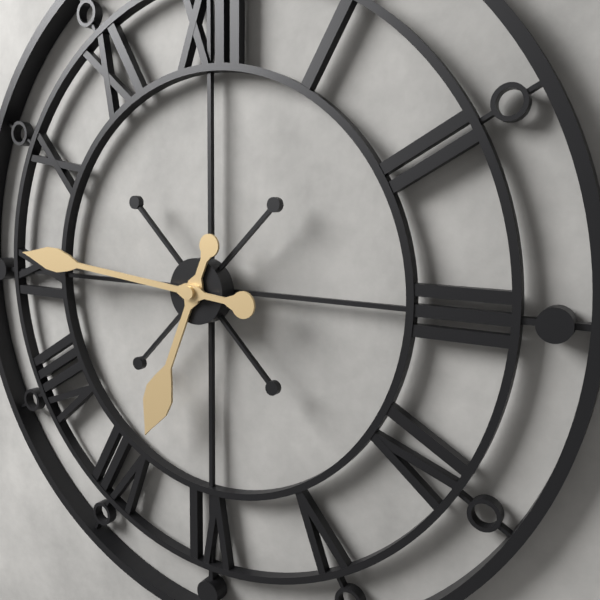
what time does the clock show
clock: 6:46
